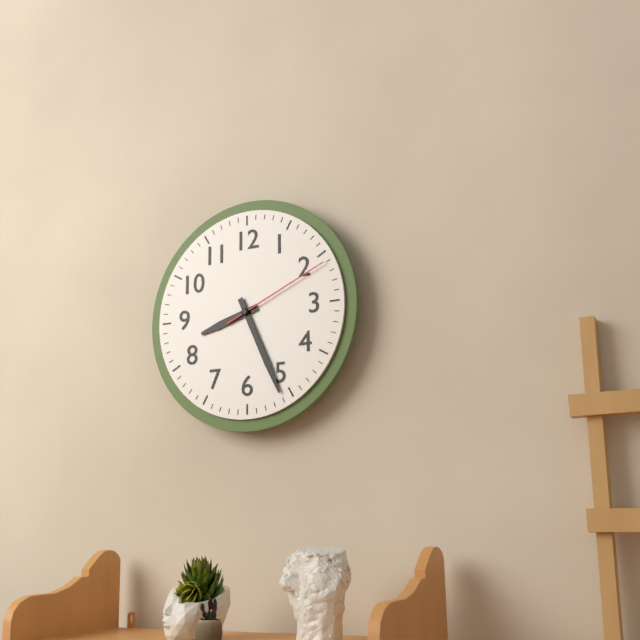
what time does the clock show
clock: 8:26:11
